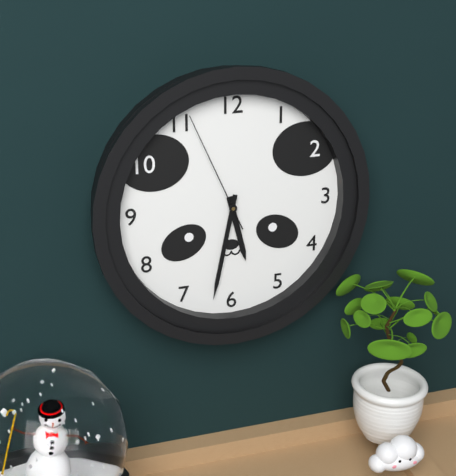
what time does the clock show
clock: 5:32:56
